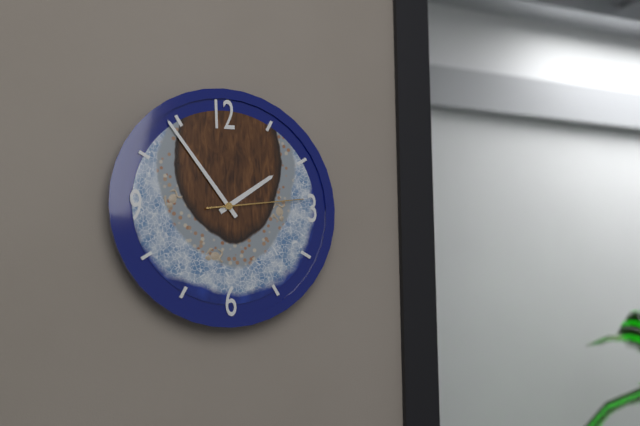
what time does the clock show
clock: 1:54:14
